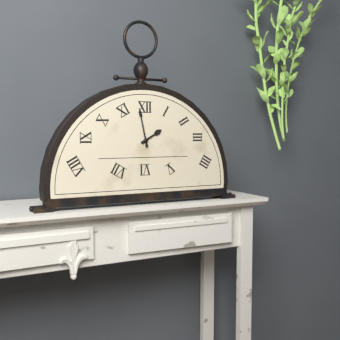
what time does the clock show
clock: 1:58
